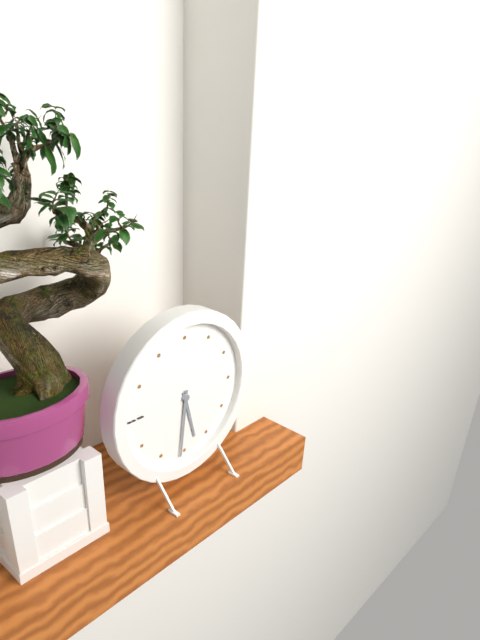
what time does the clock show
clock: 5:31
